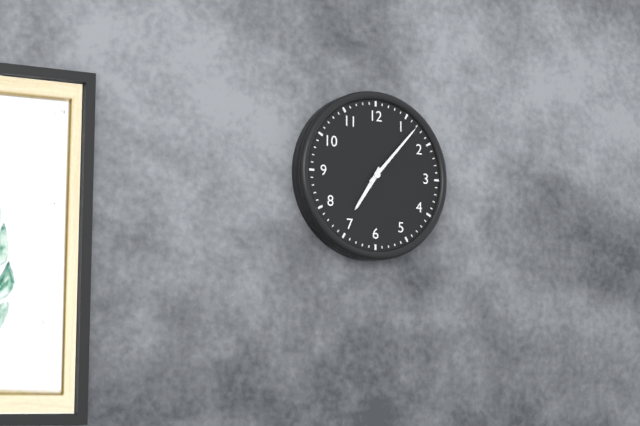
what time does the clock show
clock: 7:07
